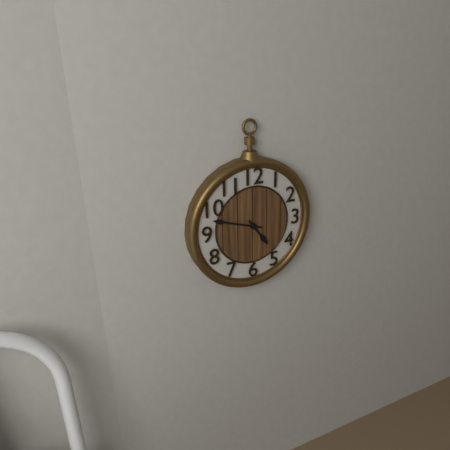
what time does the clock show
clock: 4:48
